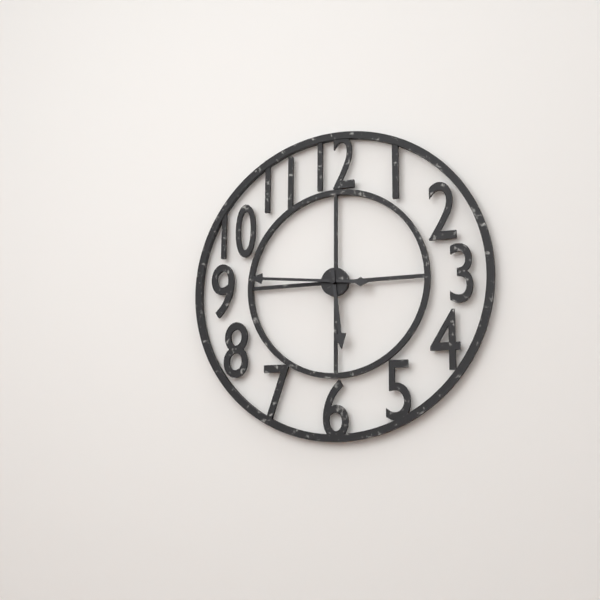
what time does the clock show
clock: 5:46
